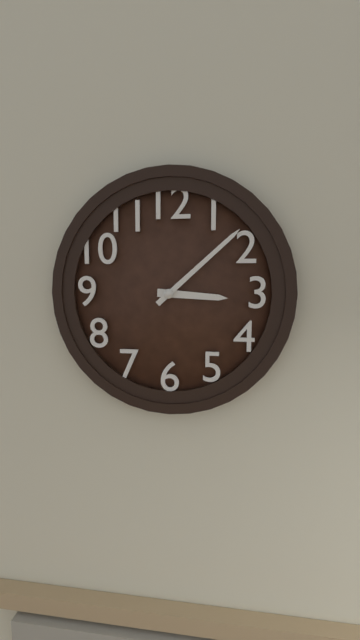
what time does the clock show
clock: 3:08
